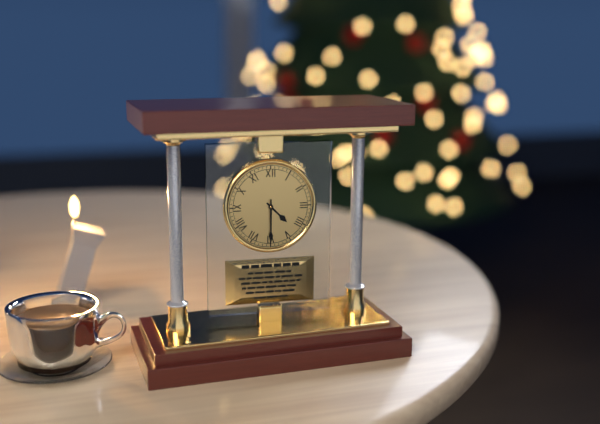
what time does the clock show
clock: 4:30
